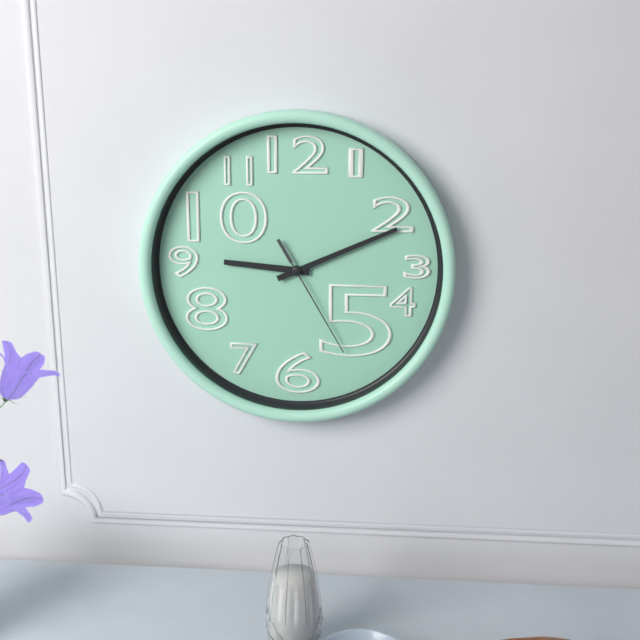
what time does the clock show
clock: 9:11:25
